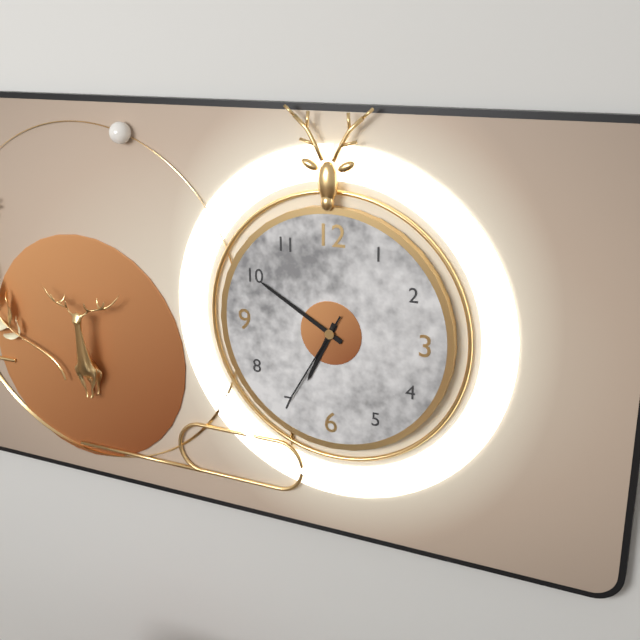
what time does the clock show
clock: 6:50:35
